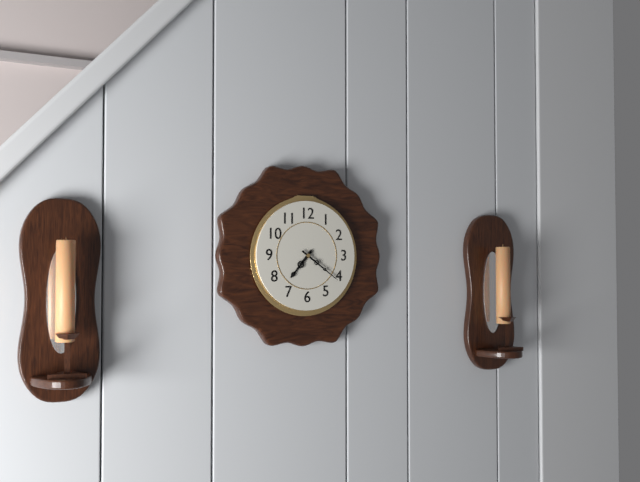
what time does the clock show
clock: 7:21
